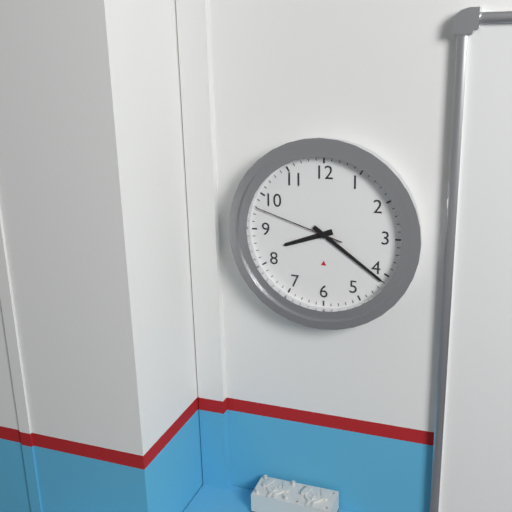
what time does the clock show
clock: 8:21:48
